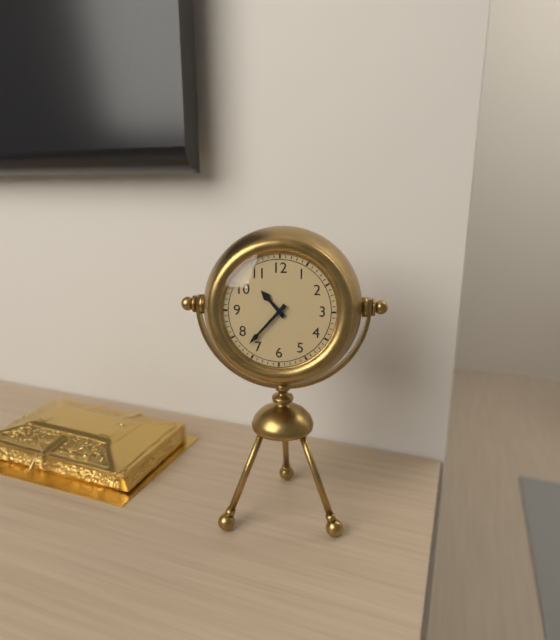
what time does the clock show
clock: 10:37
